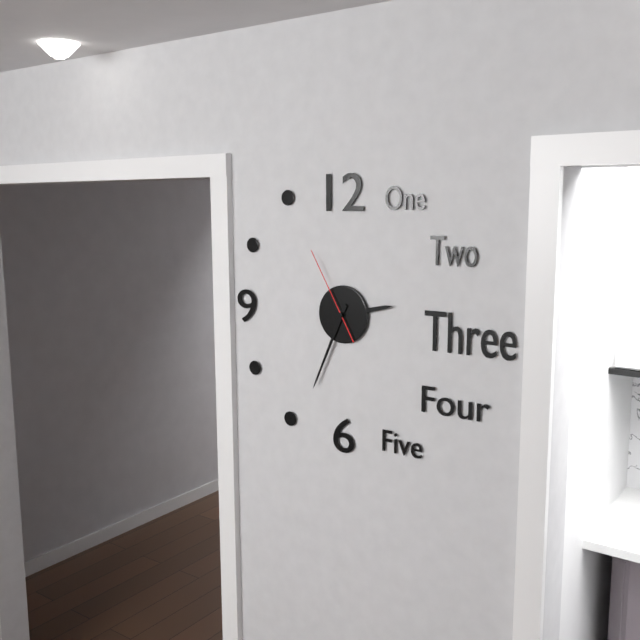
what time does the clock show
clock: 2:34:55
